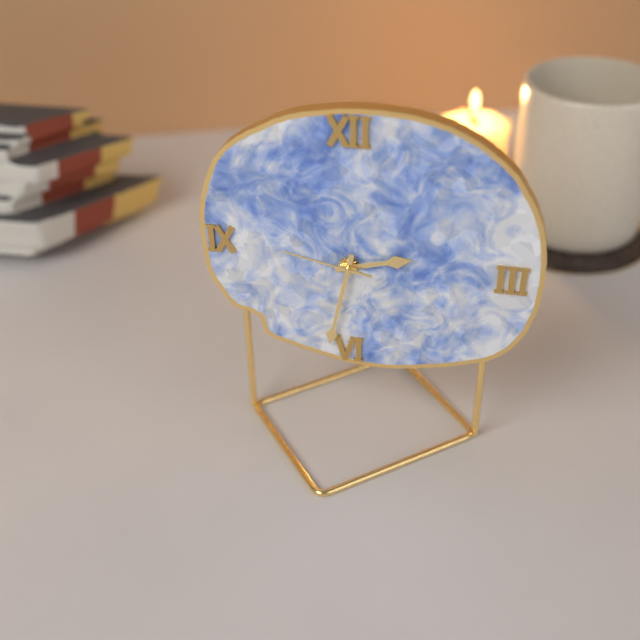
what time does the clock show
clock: 2:32:47
